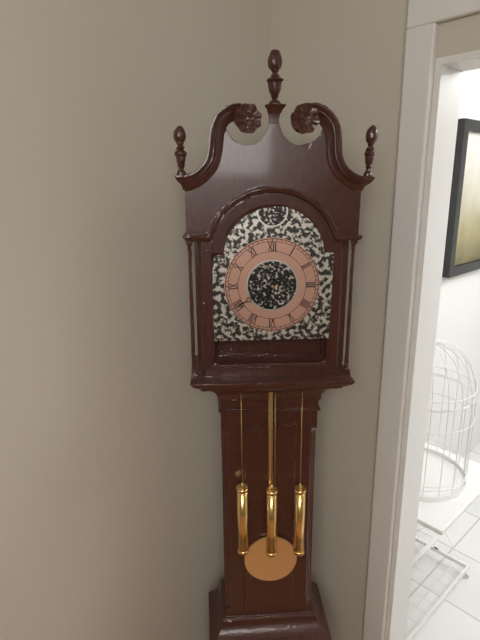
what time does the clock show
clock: 6:40
